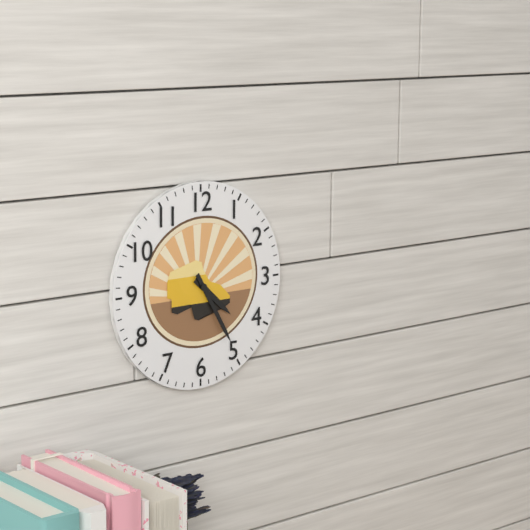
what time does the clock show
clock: 4:25
